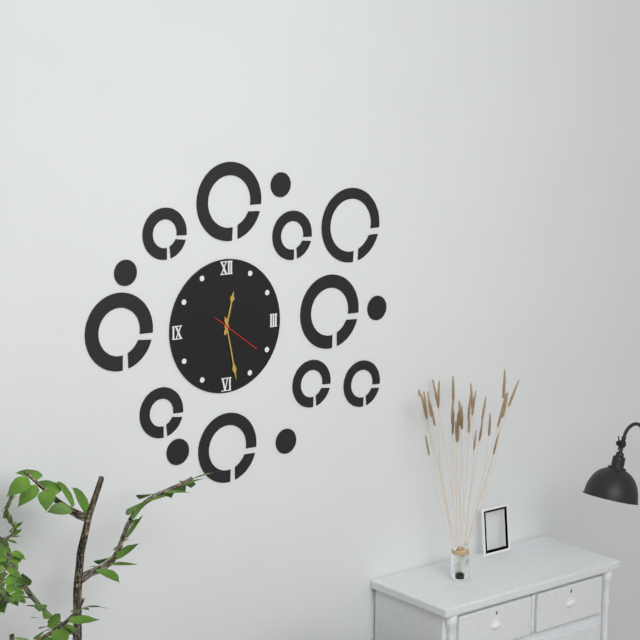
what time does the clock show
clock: 12:28
